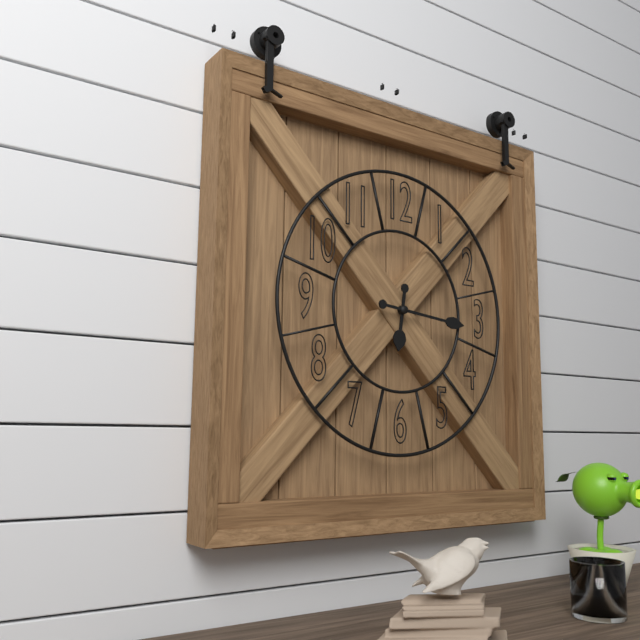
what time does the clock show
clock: 6:16
